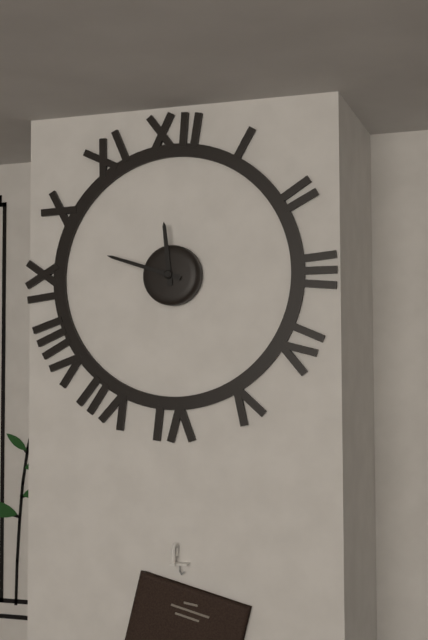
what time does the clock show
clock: 11:48
